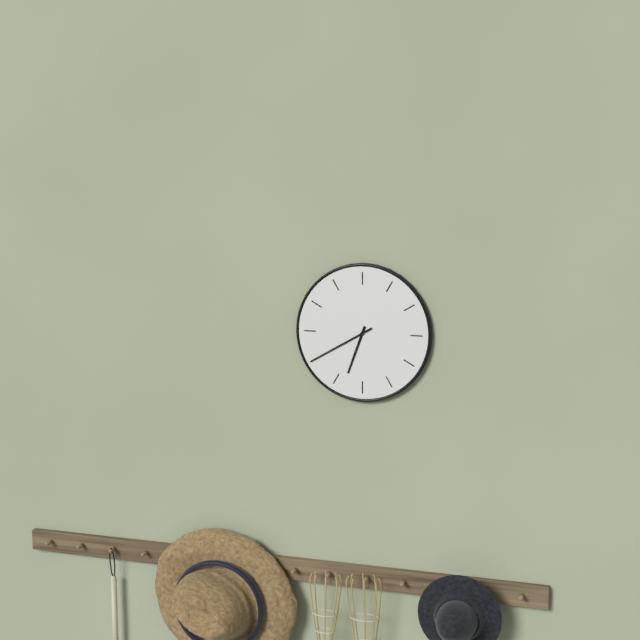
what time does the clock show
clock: 6:40
